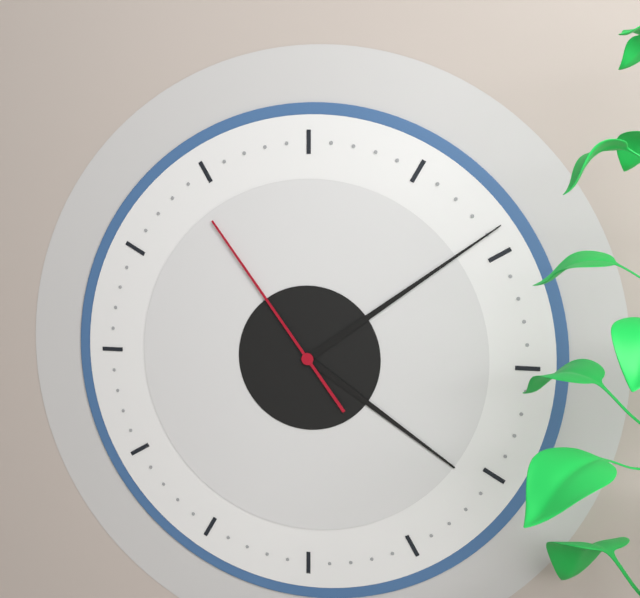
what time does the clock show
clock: 4:09:54
